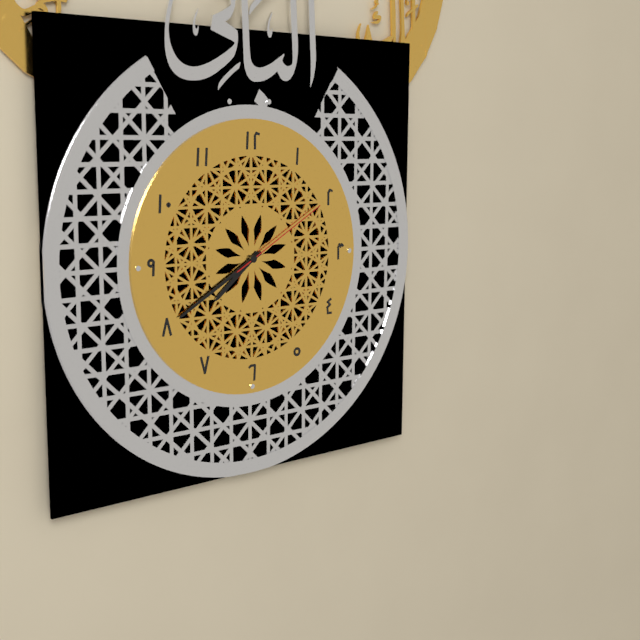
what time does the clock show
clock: 7:40:10
